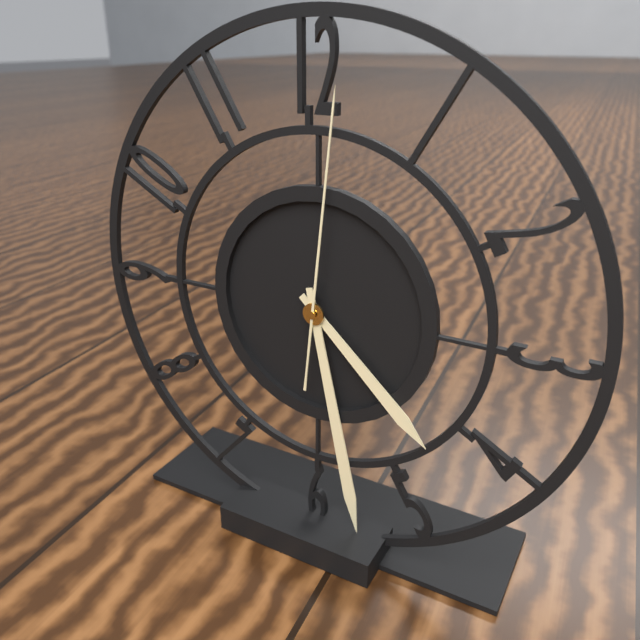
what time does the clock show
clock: 4:28:01
